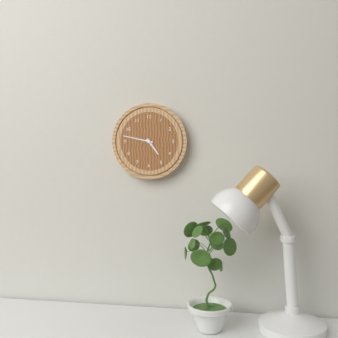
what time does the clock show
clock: 4:47
